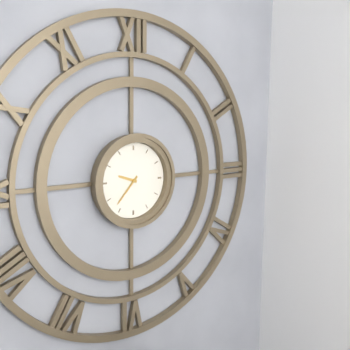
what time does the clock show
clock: 9:37
